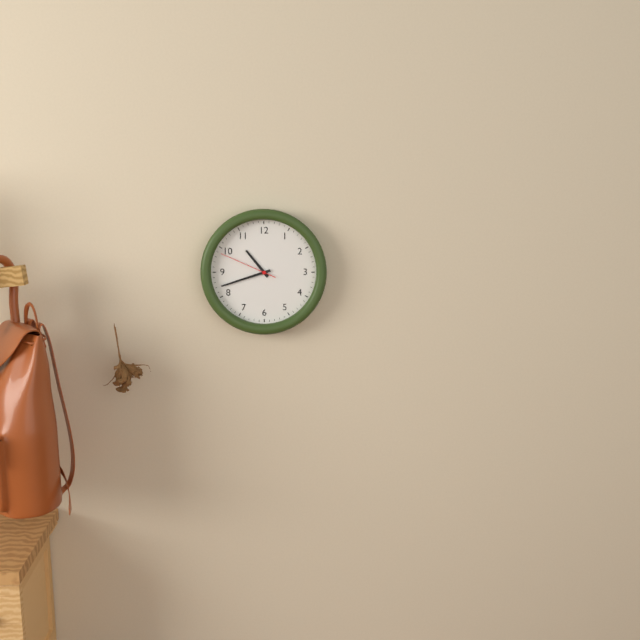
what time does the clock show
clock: 10:42:49
